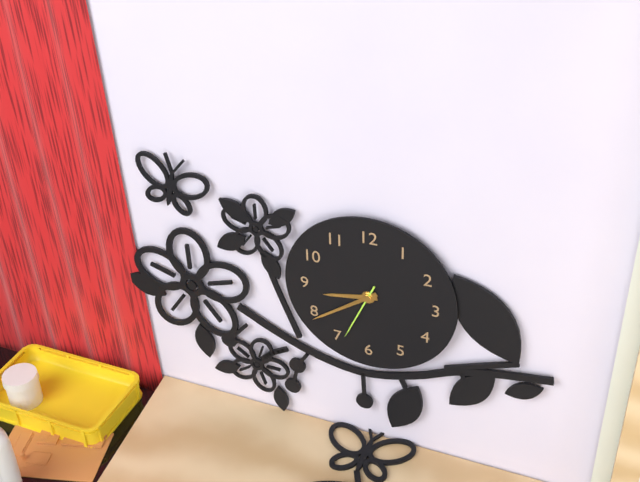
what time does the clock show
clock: 8:39:34
